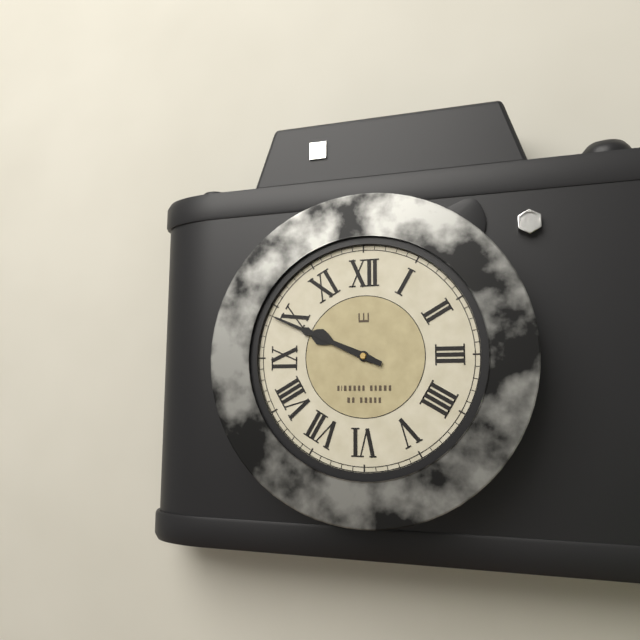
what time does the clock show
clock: 9:49
